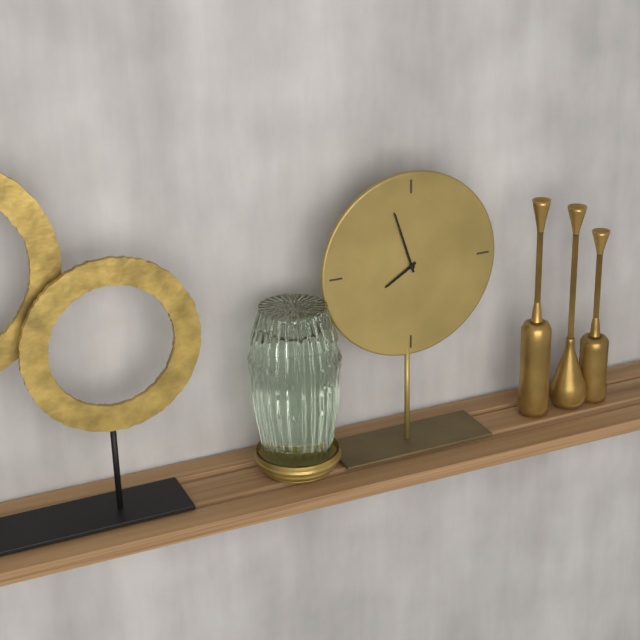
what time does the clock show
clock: 7:57
